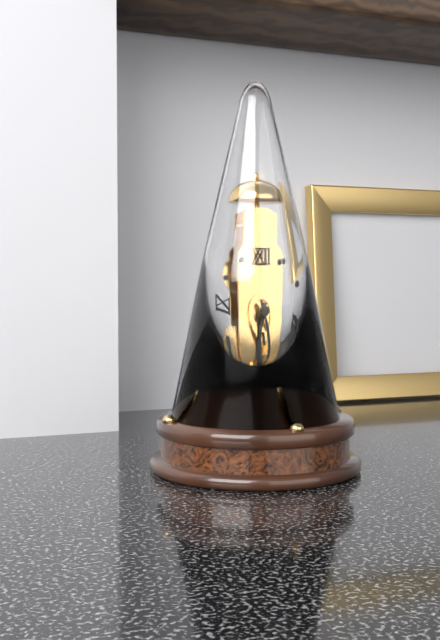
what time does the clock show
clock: 6:26
